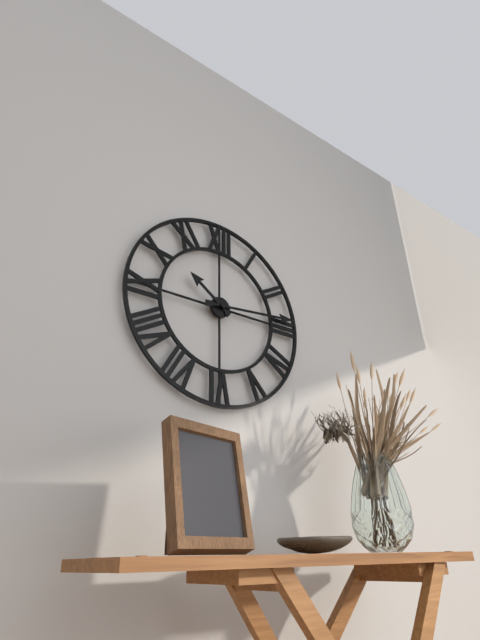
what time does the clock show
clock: 10:14
